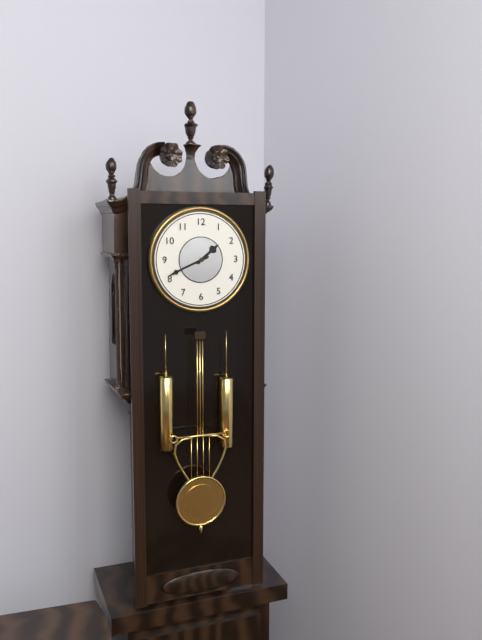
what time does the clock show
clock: 1:41
